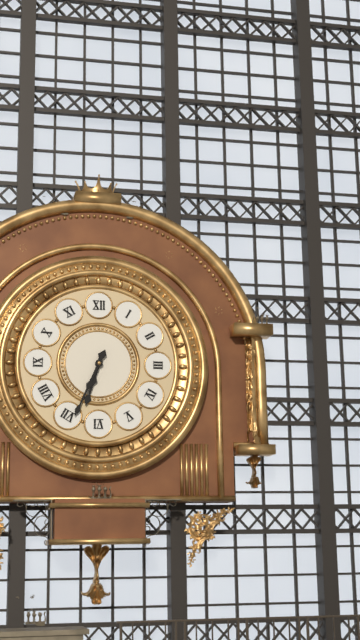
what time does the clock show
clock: 6:34
